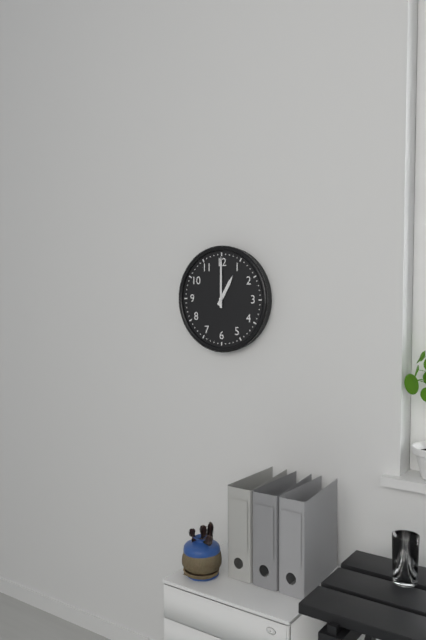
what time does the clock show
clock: 1:00
